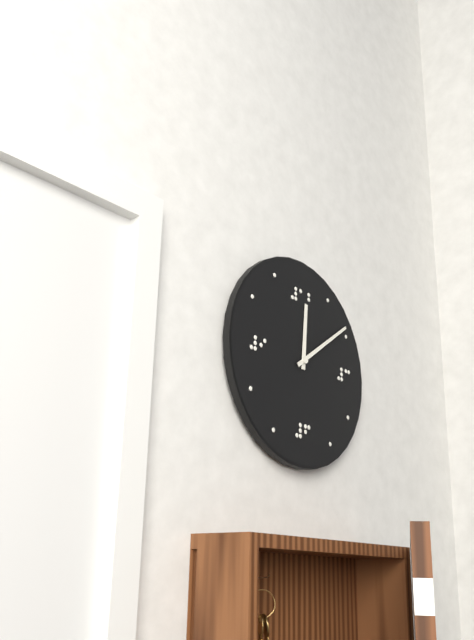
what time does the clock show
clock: 12:09
